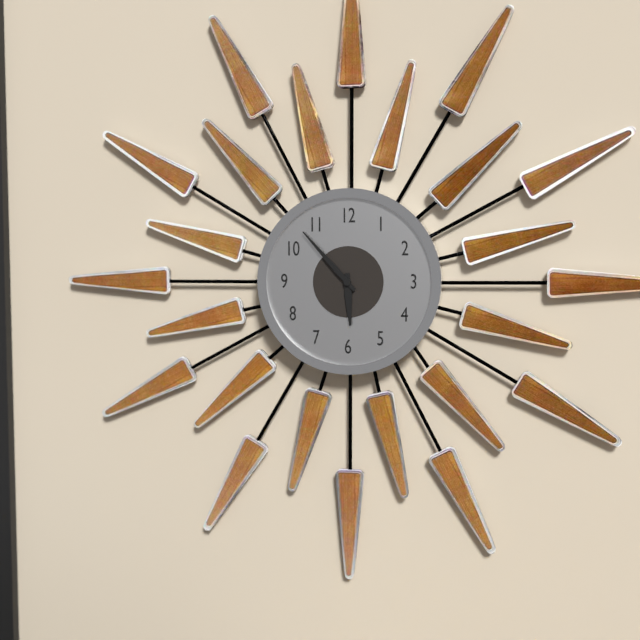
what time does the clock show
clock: 5:53
